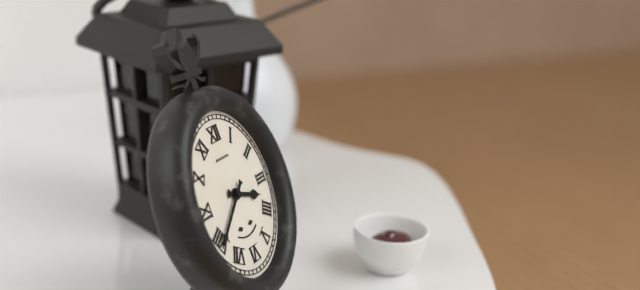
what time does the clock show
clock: 3:39
